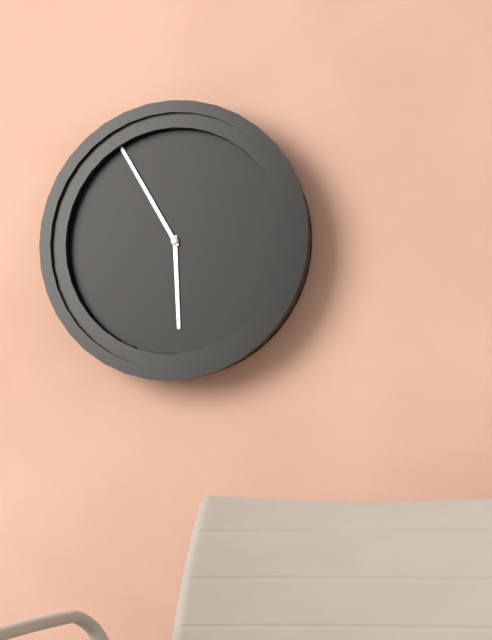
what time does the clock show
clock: 5:55
